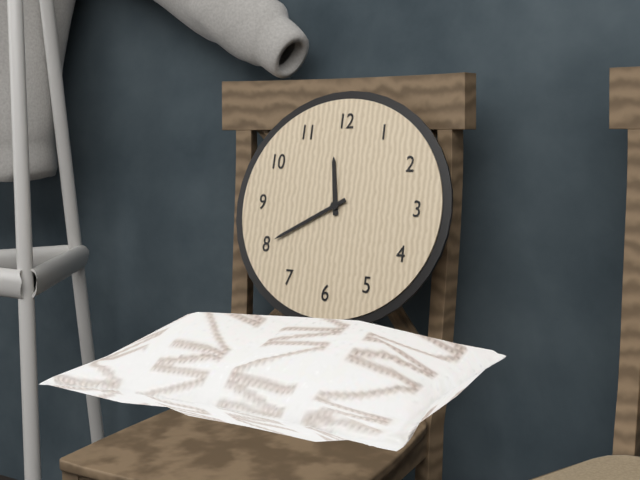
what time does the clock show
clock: 11:40
